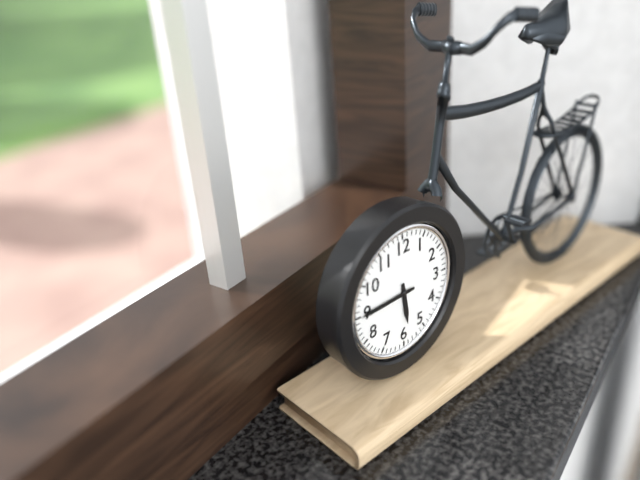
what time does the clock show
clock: 5:45
